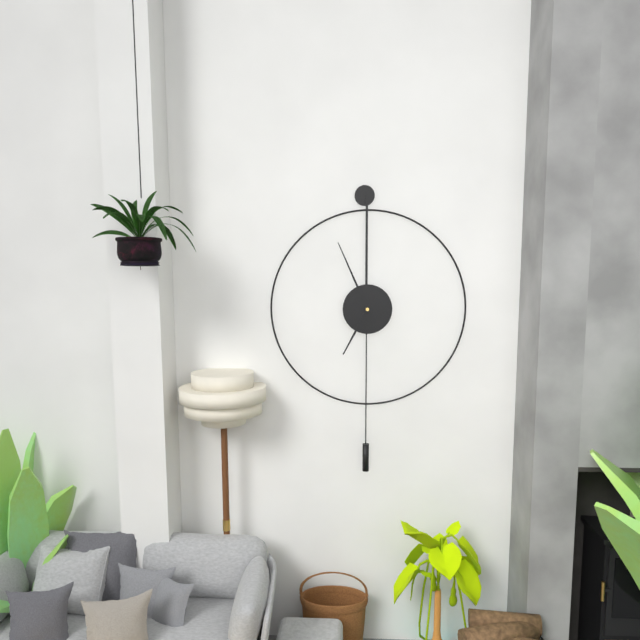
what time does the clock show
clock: 6:56
